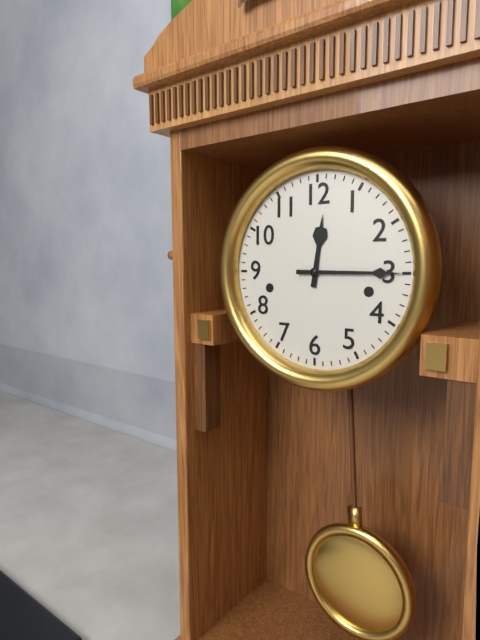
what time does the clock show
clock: 12:15
